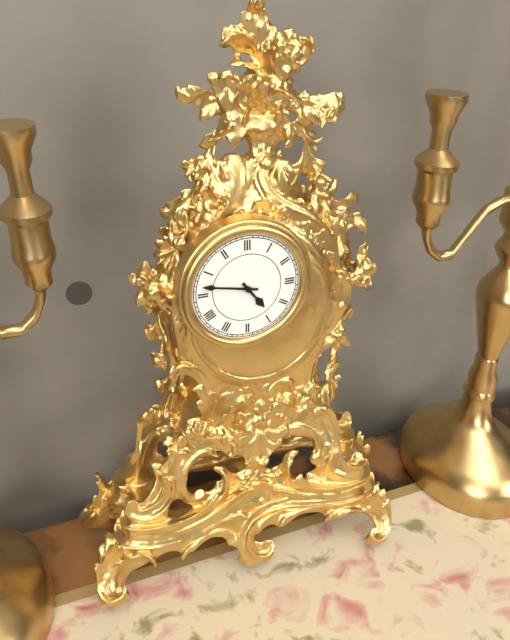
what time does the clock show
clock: 4:47
